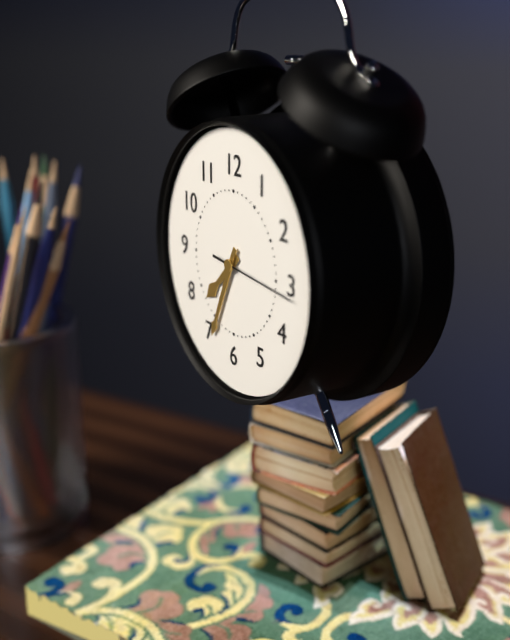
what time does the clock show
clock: 7:34:16
